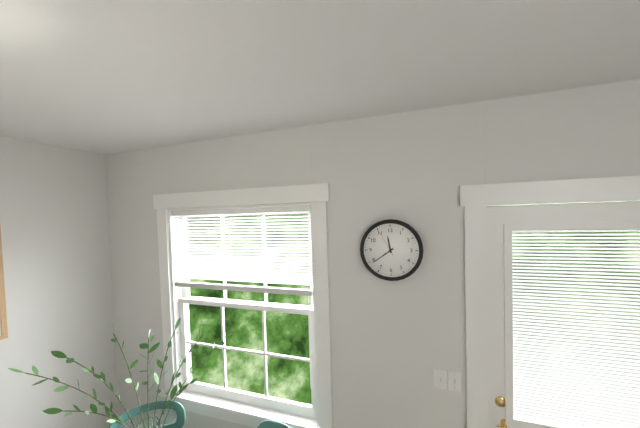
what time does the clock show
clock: 11:39
